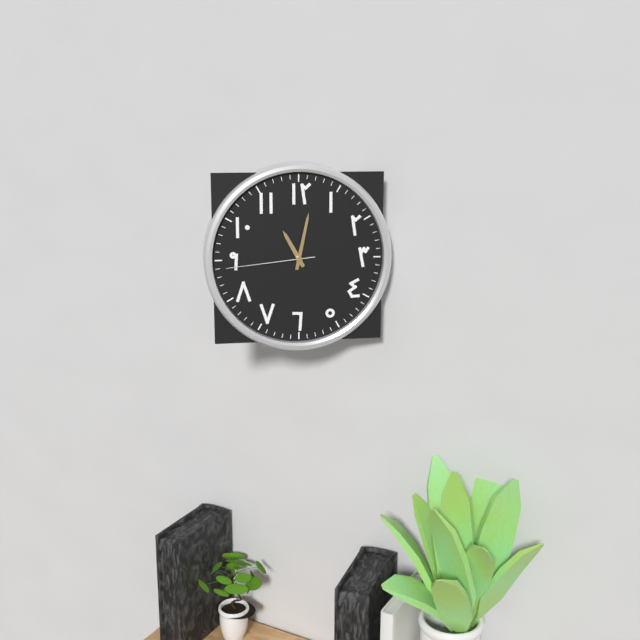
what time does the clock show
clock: 11:02:44
